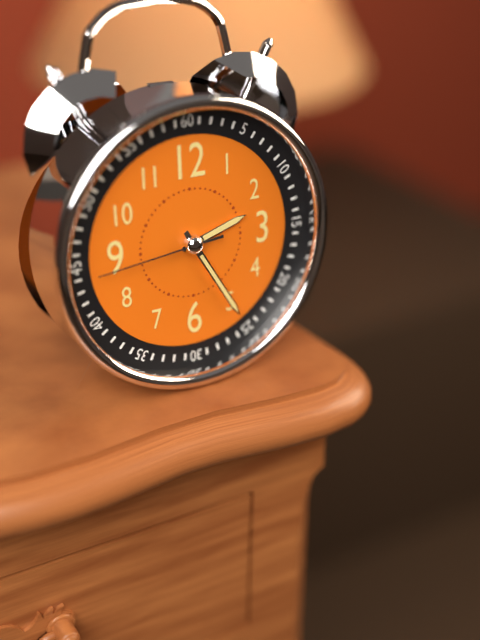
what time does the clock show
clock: 2:25:44
